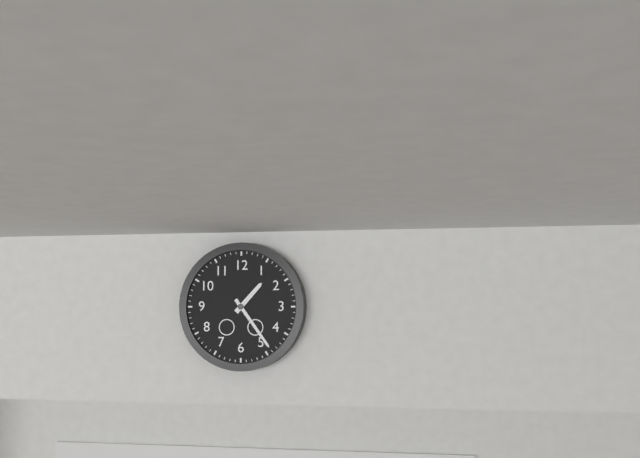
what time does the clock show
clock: 1:24
